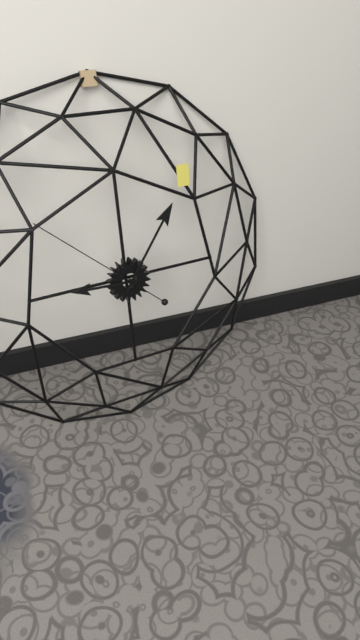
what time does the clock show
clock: 9:06:52
